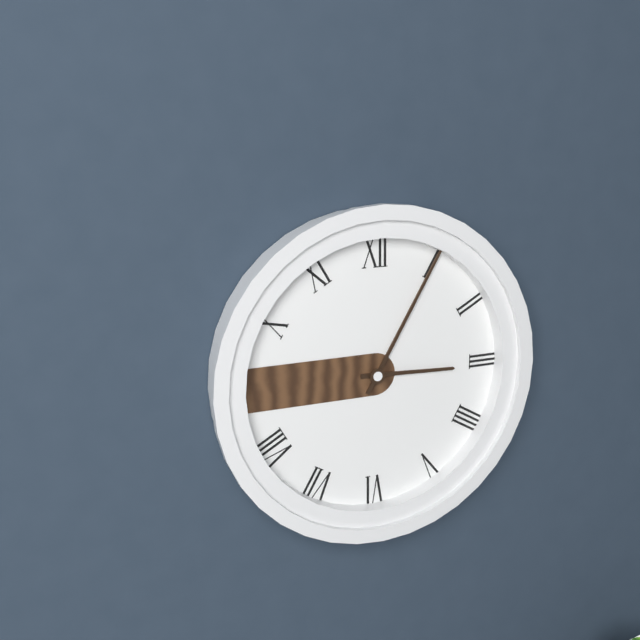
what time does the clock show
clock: 3:05
